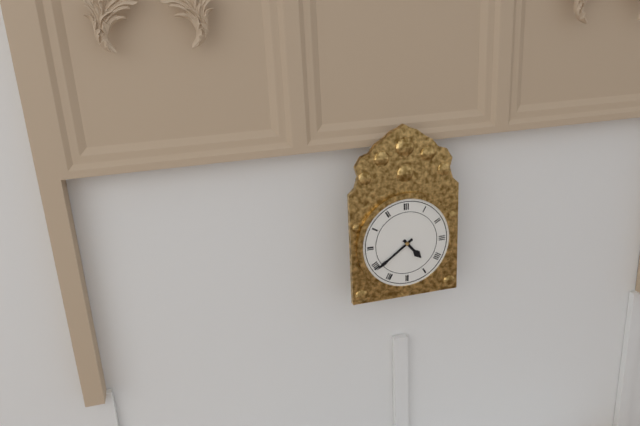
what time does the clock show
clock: 4:39
